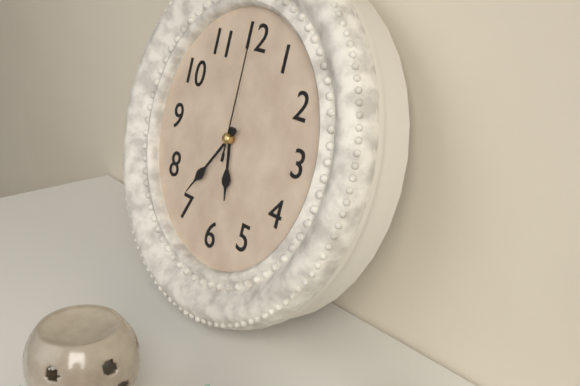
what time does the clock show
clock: 5:36:00
